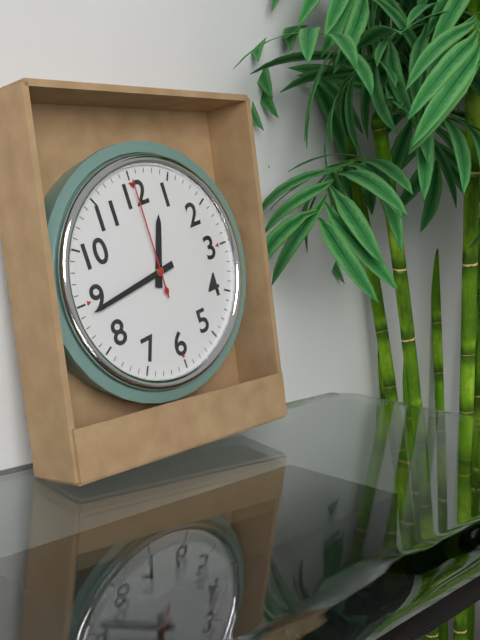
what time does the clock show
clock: 12:44:00
